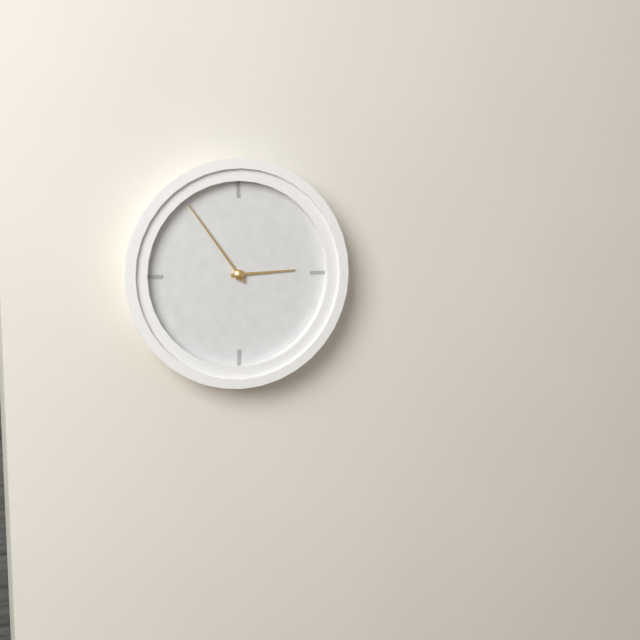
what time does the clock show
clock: 2:54
